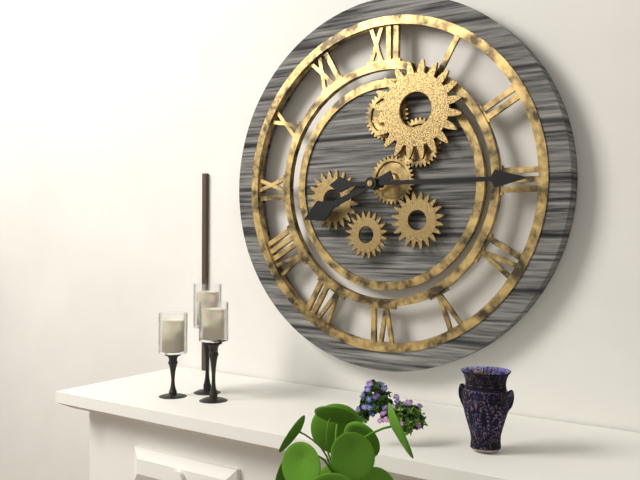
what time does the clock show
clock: 8:15
